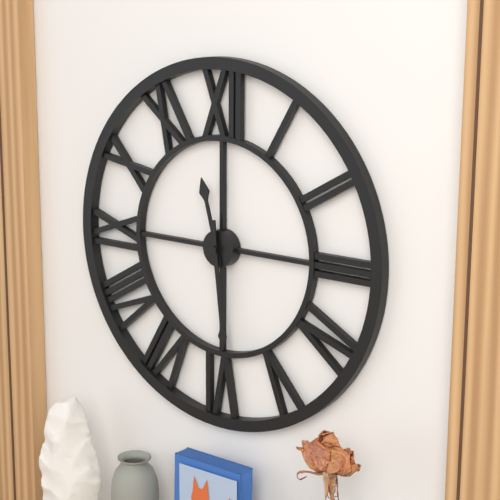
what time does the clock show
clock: 11:29
